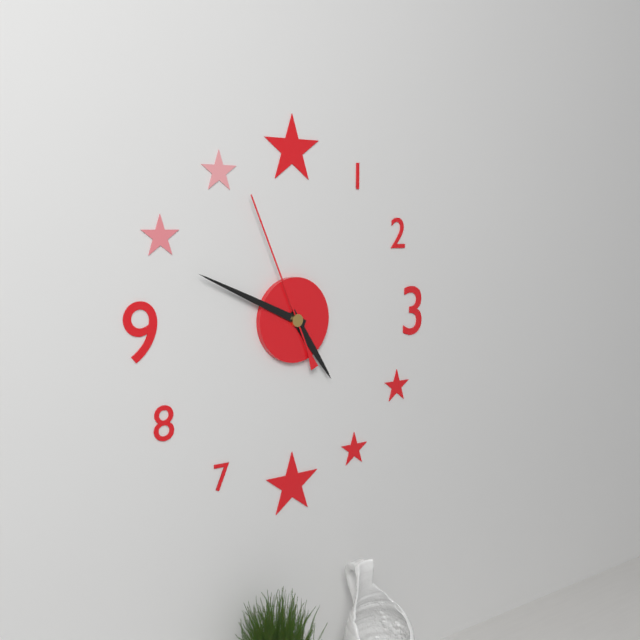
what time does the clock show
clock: 4:49:56
